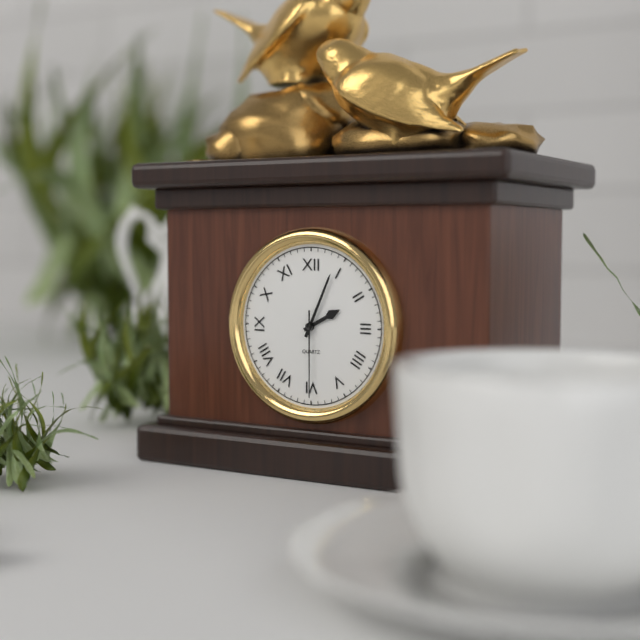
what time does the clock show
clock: 2:04:30
